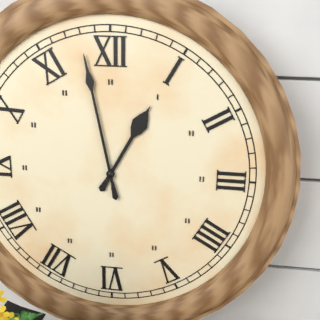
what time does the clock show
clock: 12:58
